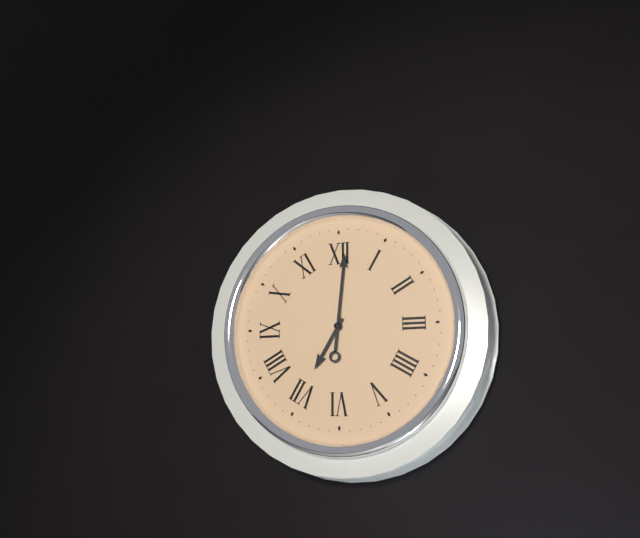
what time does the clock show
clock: 7:01
